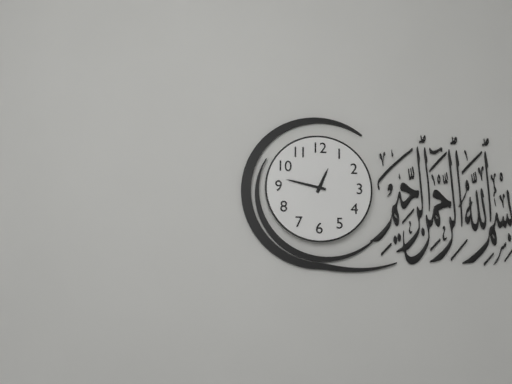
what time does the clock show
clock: 12:47
